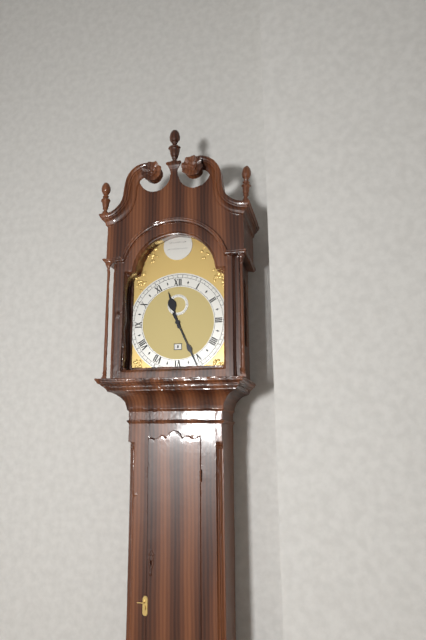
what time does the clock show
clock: 11:26
